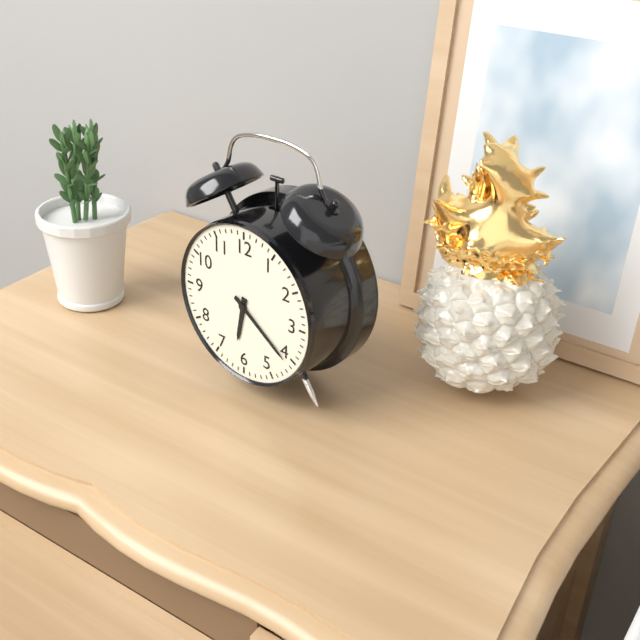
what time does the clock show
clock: 6:21
